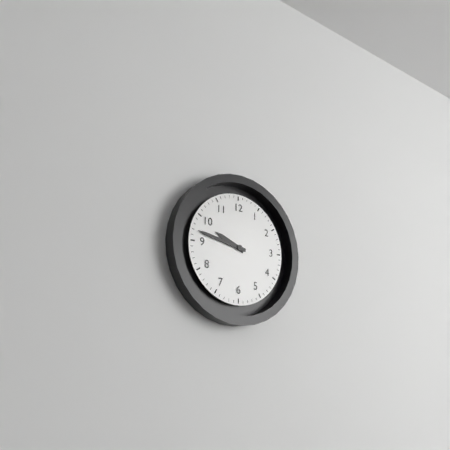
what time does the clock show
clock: 9:47
